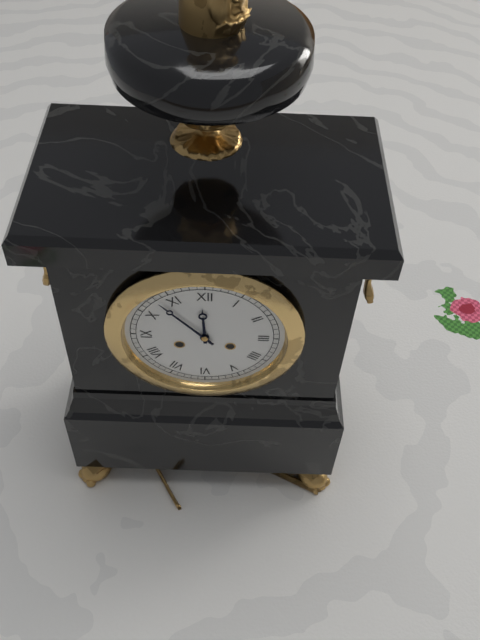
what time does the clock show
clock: 11:53
